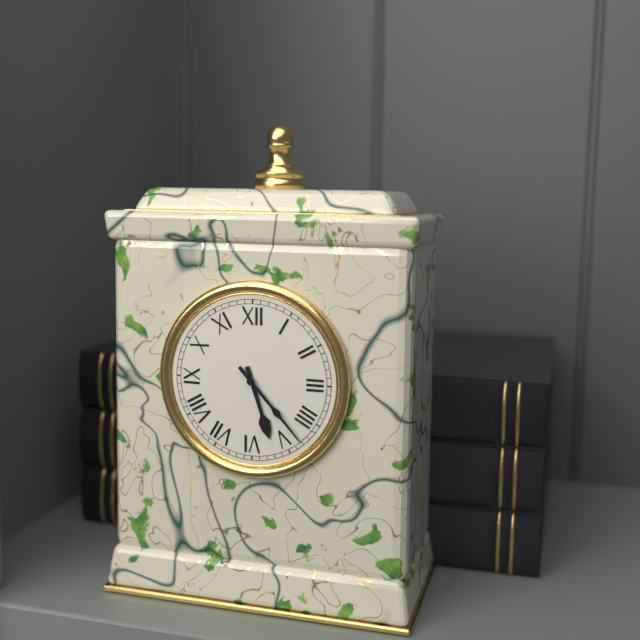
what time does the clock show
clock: 5:23
